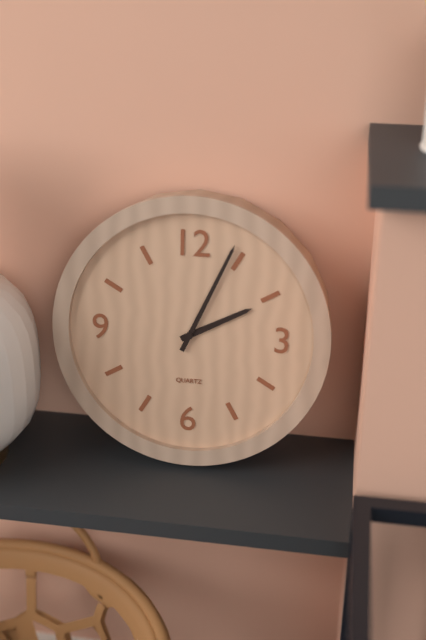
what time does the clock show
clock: 2:04
